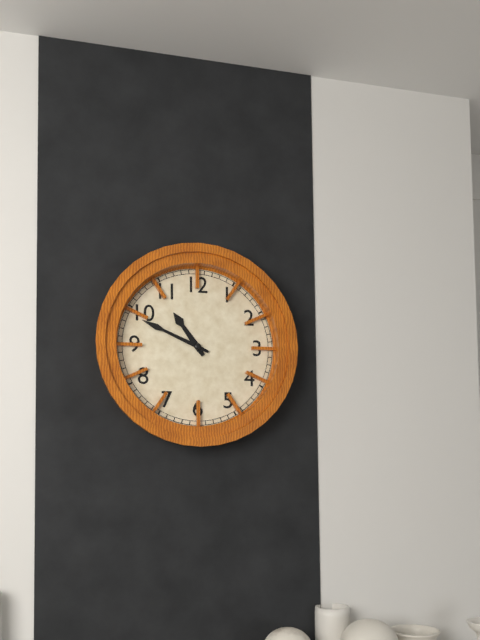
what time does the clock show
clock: 10:49
